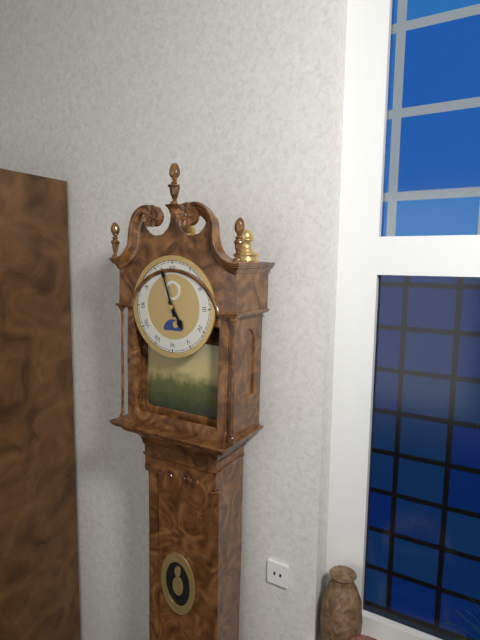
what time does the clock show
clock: 4:57
